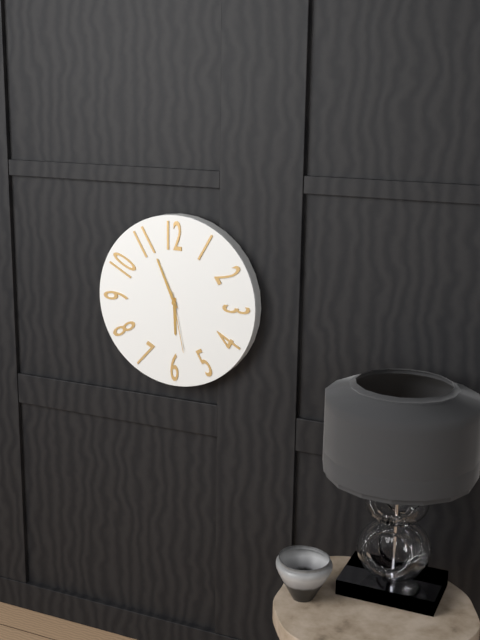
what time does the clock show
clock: 5:56:28
